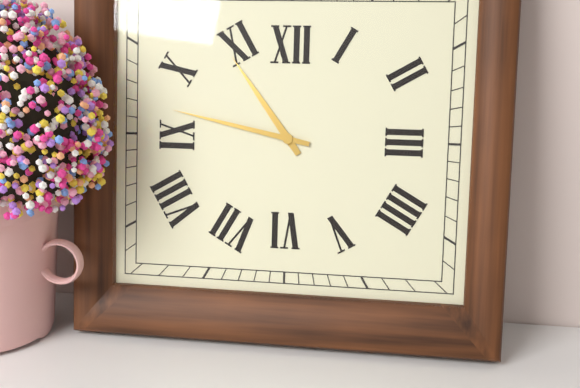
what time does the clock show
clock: 10:47
